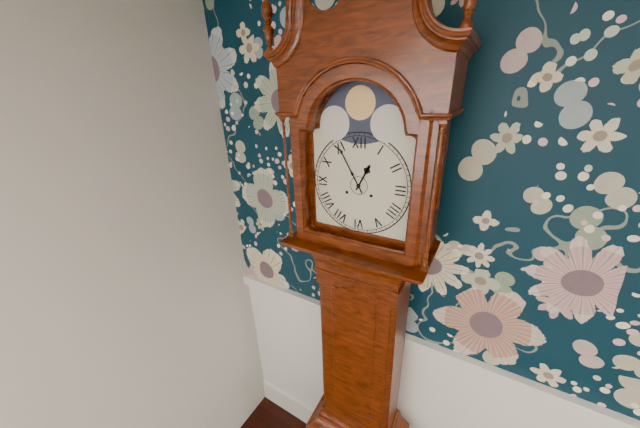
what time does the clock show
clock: 12:55
